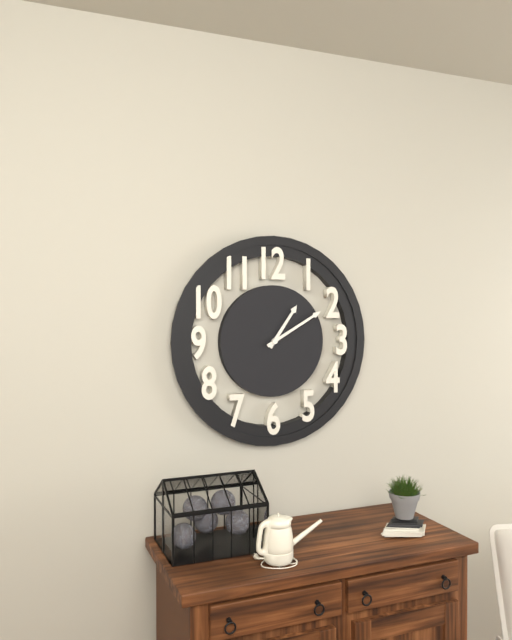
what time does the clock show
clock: 1:10
